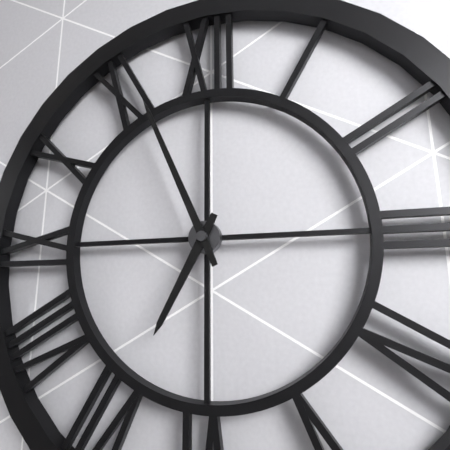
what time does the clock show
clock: 6:56
